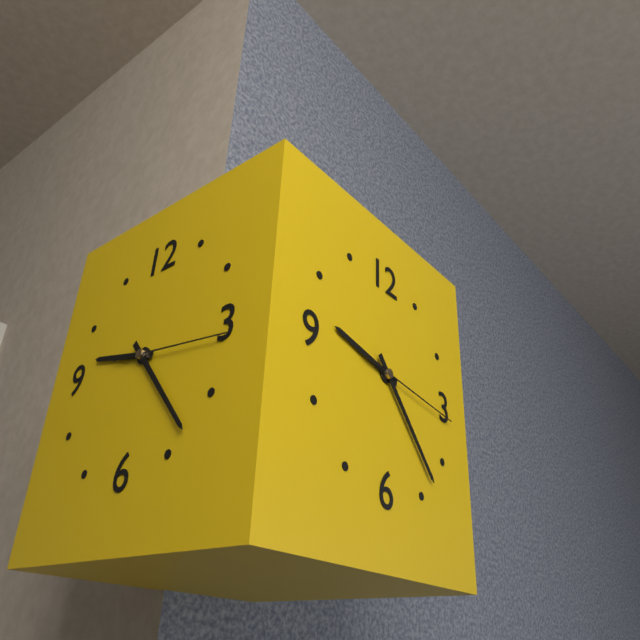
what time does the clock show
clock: 9:23:16
